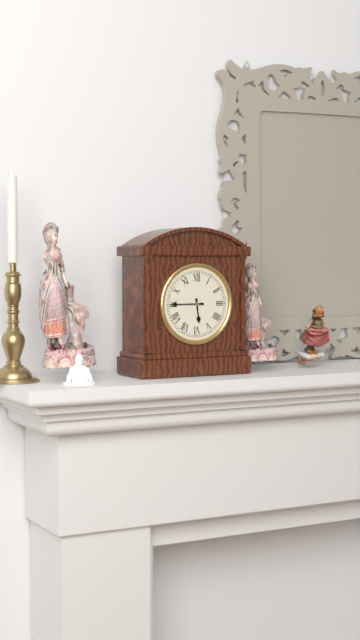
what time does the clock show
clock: 5:45
